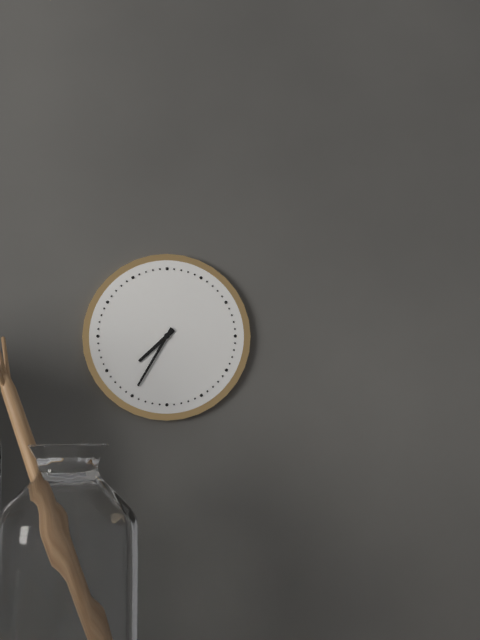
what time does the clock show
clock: 7:35
